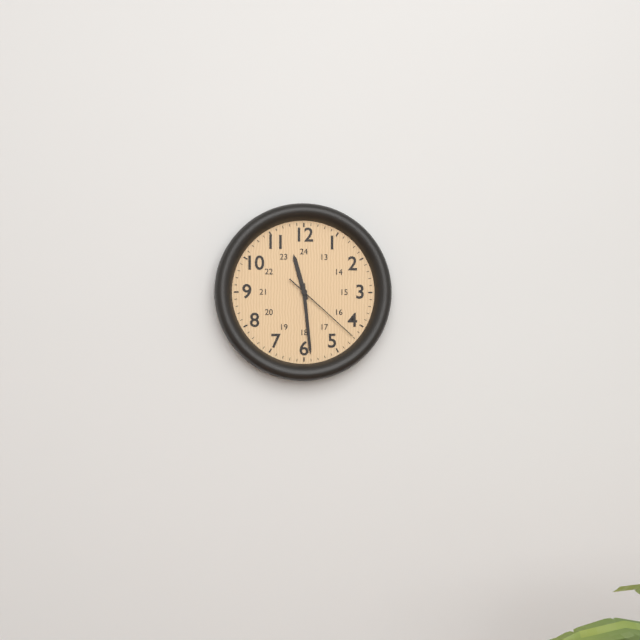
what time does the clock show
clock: 11:29:22
